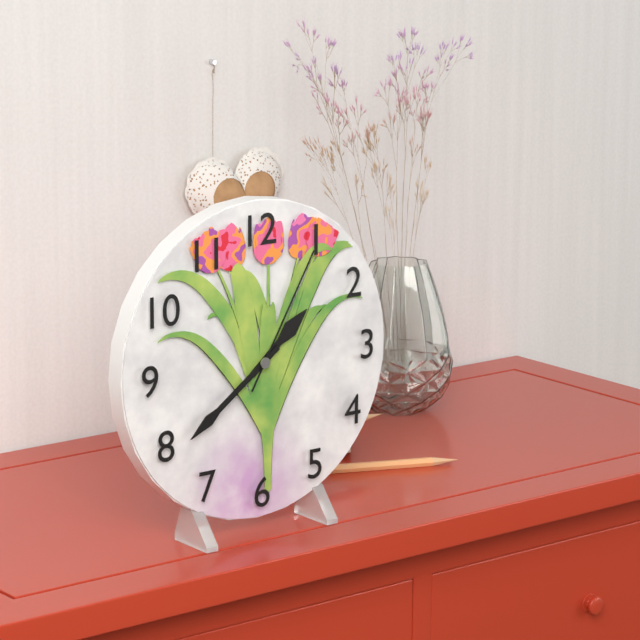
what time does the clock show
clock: 1:39:05
